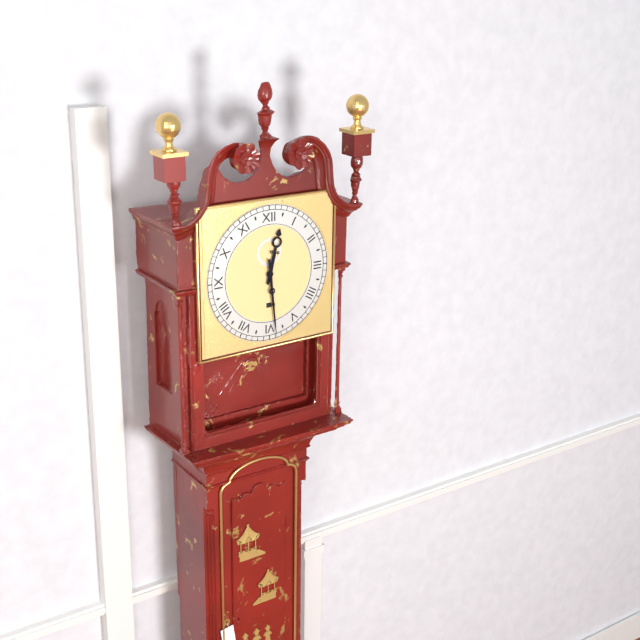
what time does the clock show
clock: 12:29
